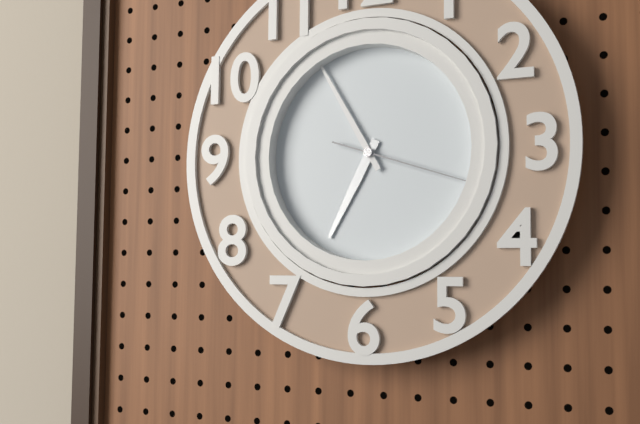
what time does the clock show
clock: 6:55:18
